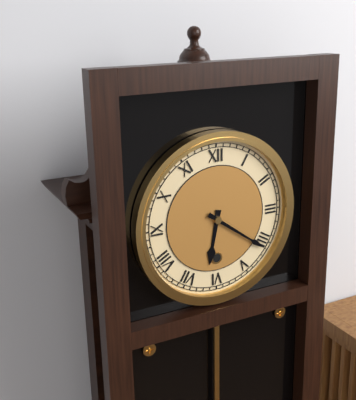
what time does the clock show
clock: 6:21
